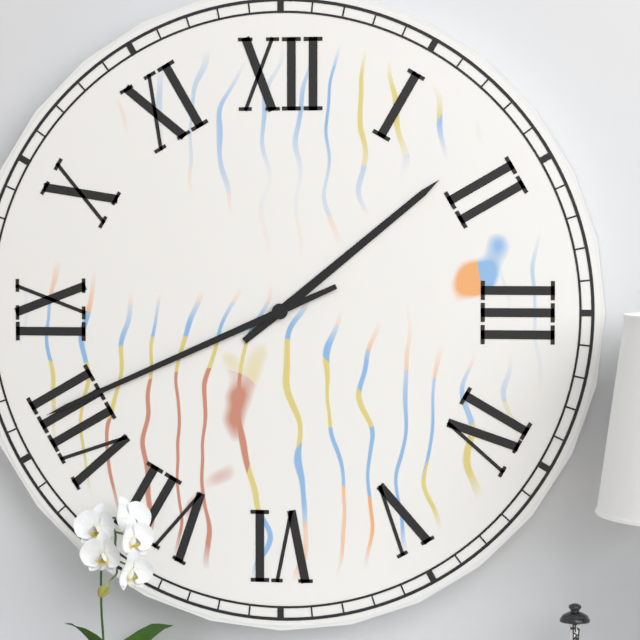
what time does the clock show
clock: 1:41
